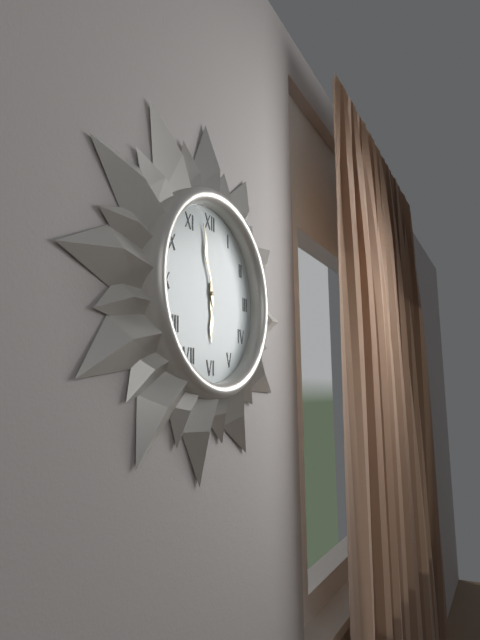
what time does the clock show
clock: 5:58
